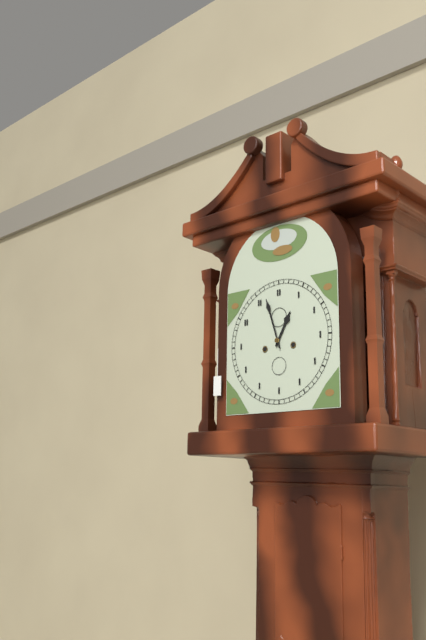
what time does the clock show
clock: 12:57
